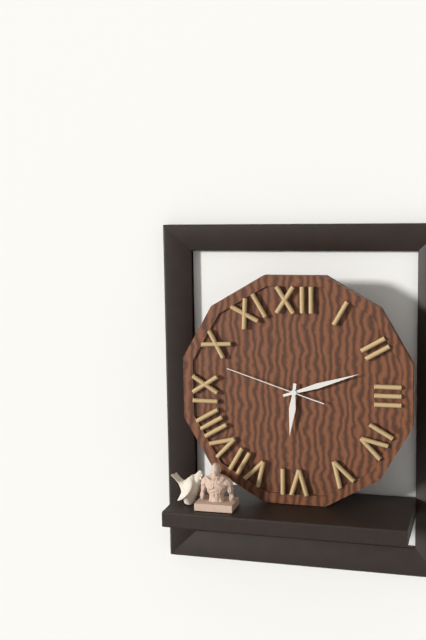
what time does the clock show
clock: 6:12:48
